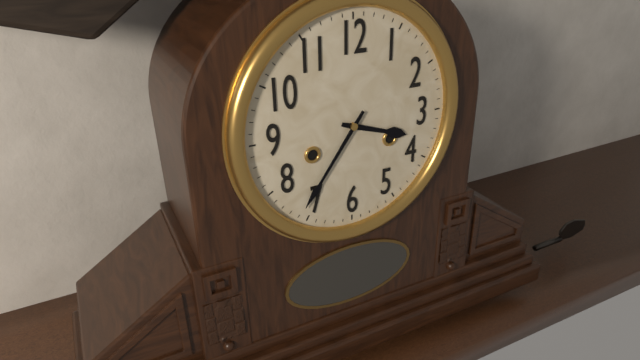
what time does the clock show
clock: 3:36
